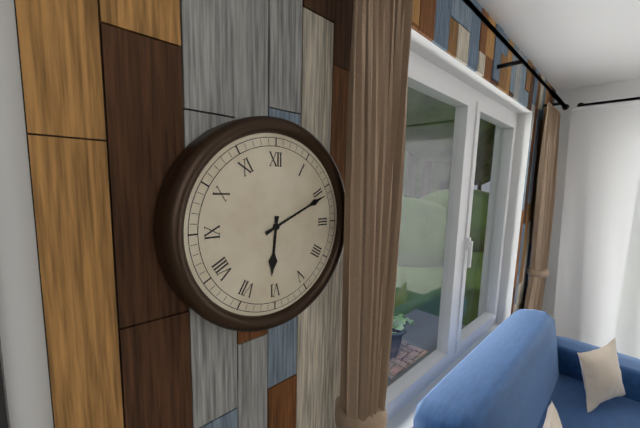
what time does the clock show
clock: 6:11
